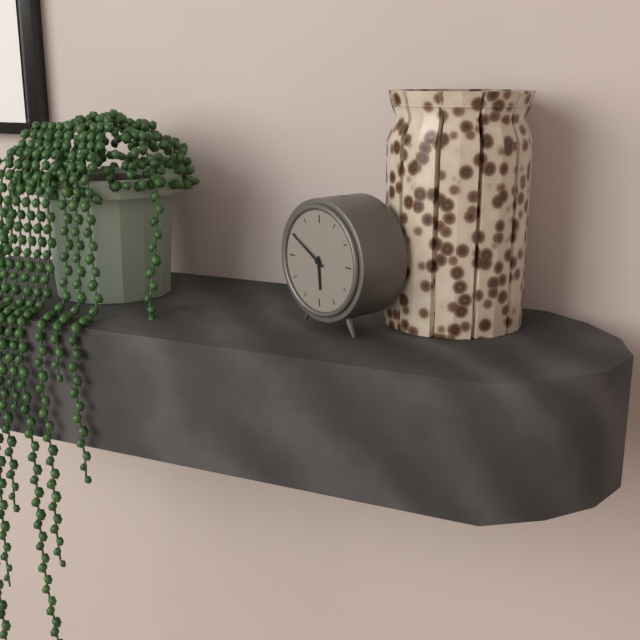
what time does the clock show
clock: 5:50
